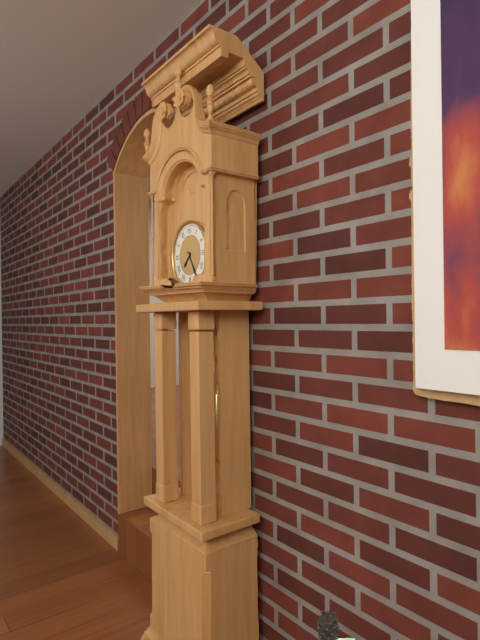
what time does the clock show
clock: 7:25
